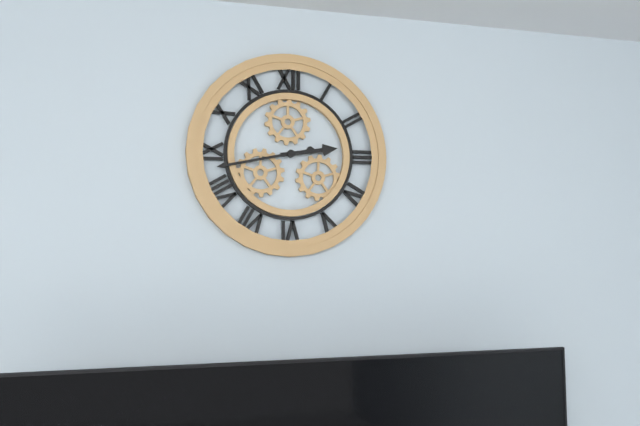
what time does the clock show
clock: 2:43
